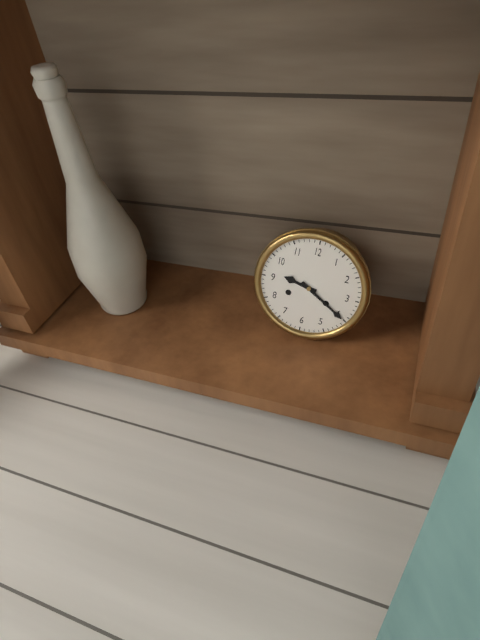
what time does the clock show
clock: 9:20
